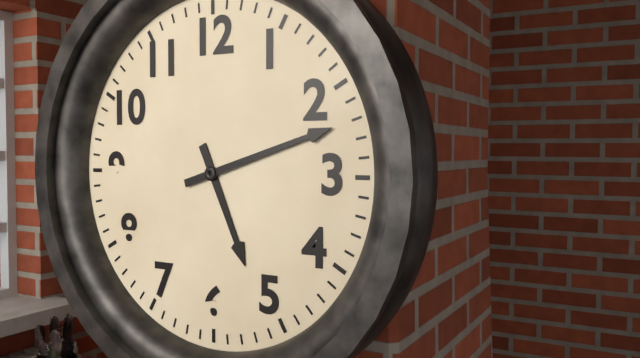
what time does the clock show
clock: 5:12
